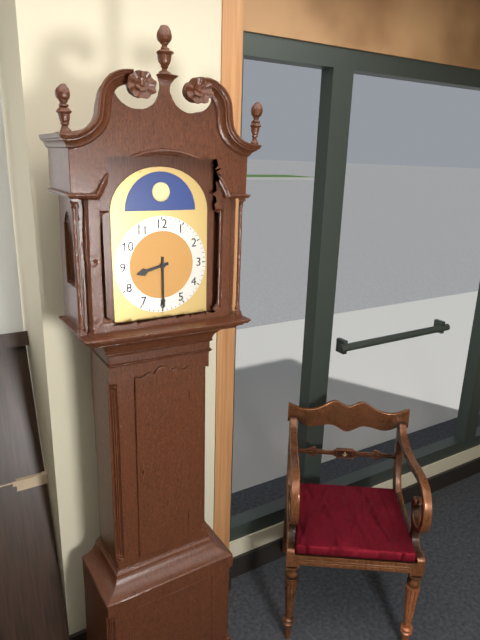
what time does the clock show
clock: 8:30
